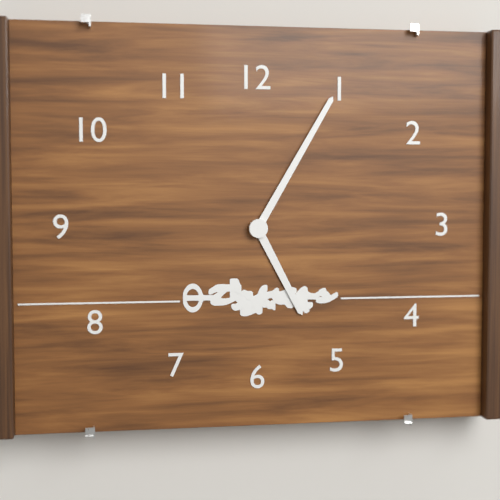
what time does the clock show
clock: 5:05
